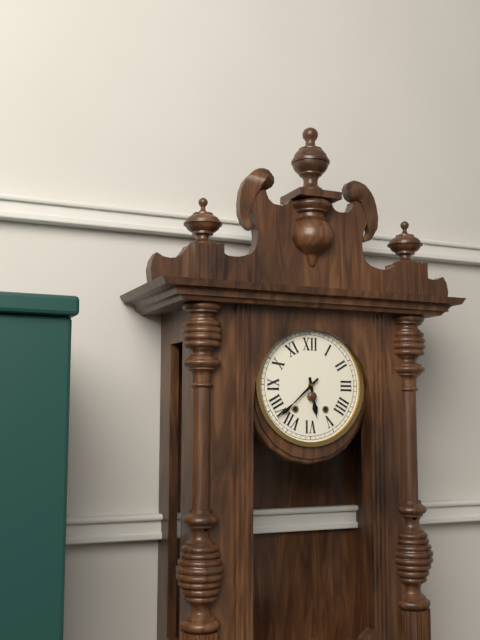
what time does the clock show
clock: 5:38
